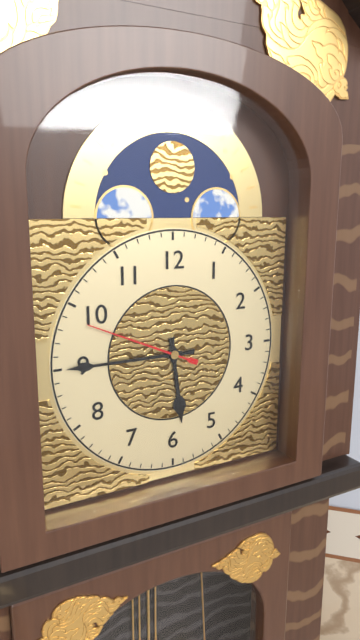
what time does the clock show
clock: 5:45:49
